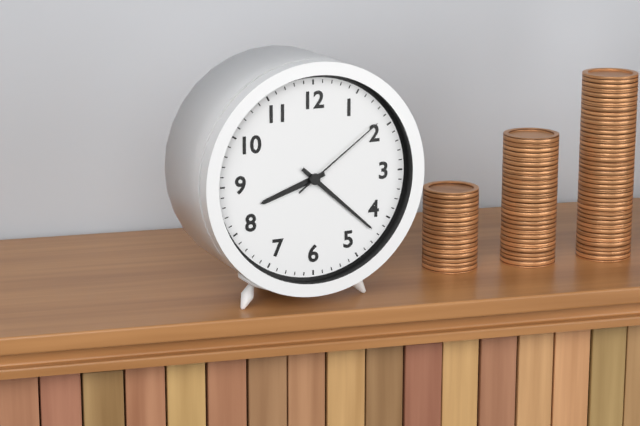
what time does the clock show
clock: 8:22:09
